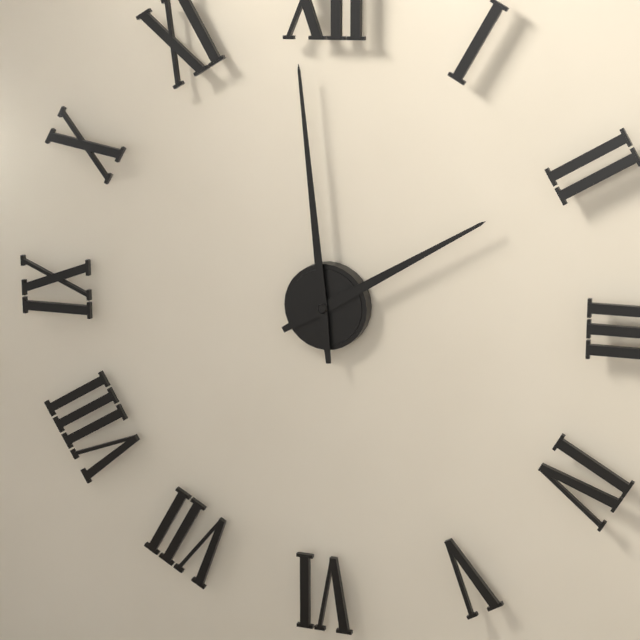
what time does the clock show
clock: 1:59
